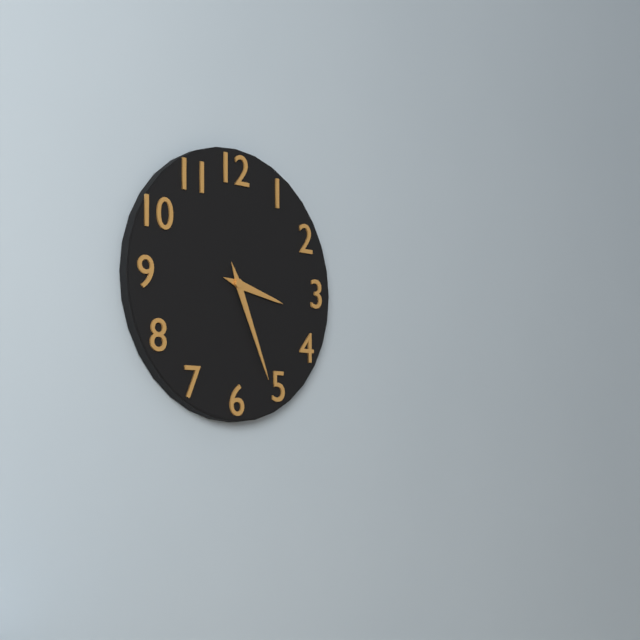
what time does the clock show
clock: 3:26
